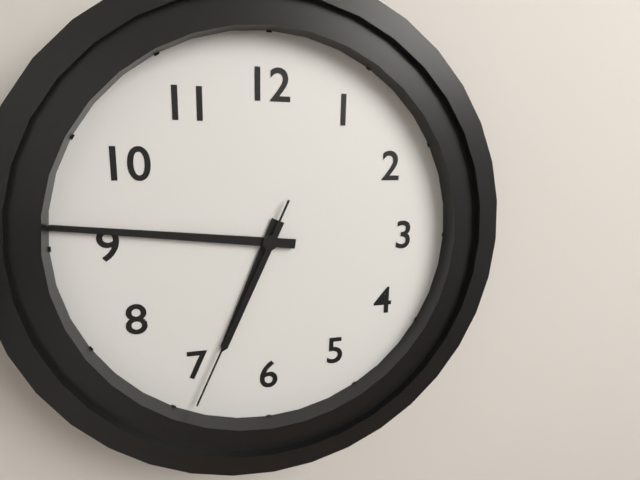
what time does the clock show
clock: 6:46:34
